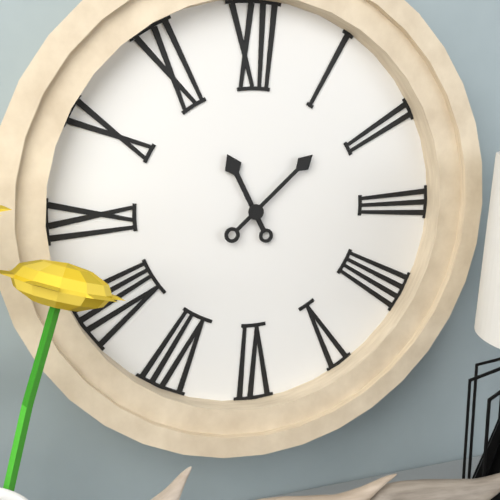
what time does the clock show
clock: 11:08
